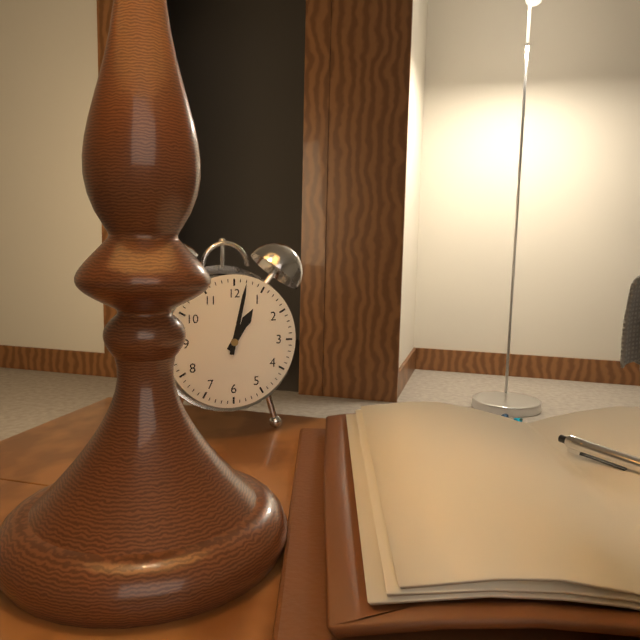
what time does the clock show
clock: 1:02
